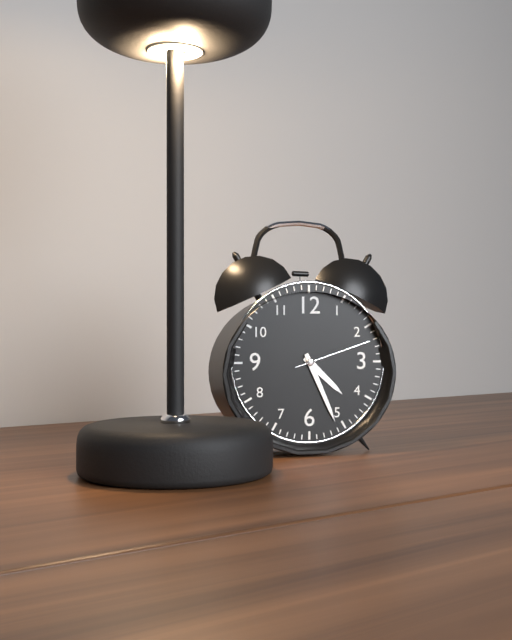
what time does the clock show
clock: 4:26:12
